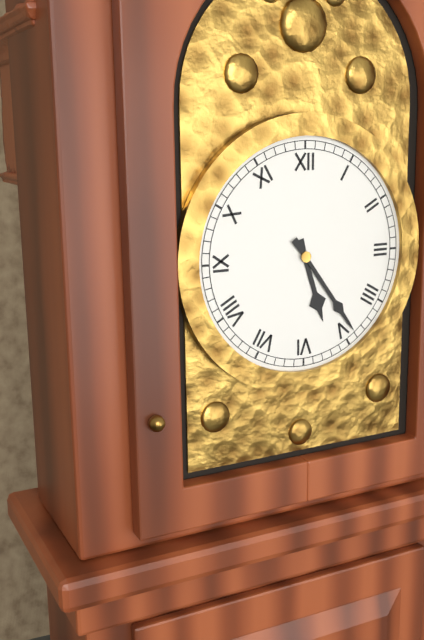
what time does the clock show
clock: 5:24
